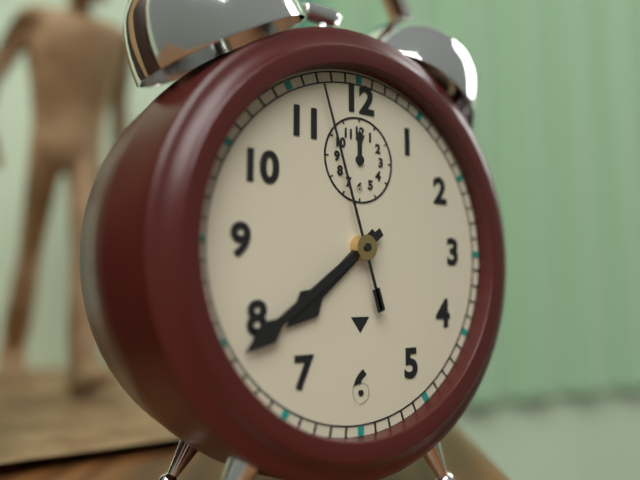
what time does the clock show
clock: 7:39:57
